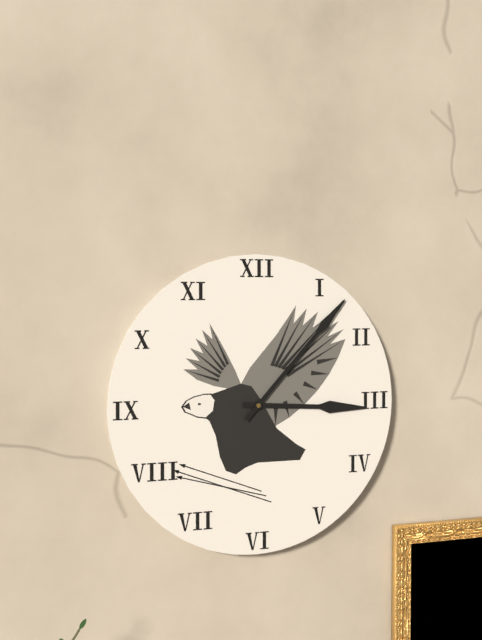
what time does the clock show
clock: 3:07
